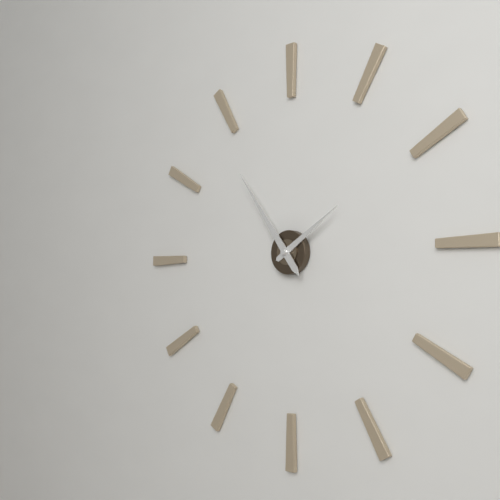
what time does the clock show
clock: 1:54
